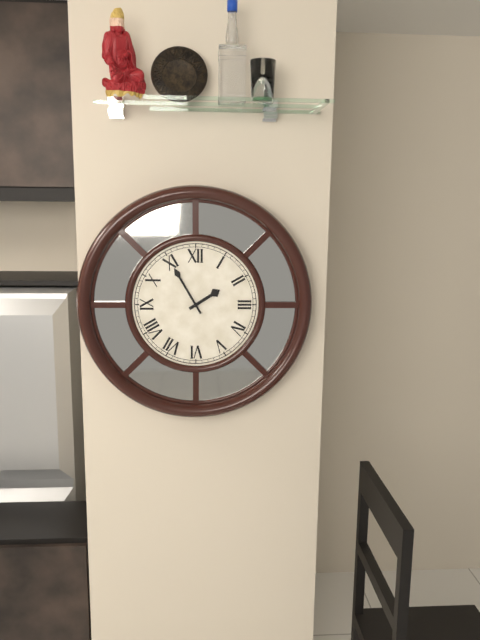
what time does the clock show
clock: 1:55
